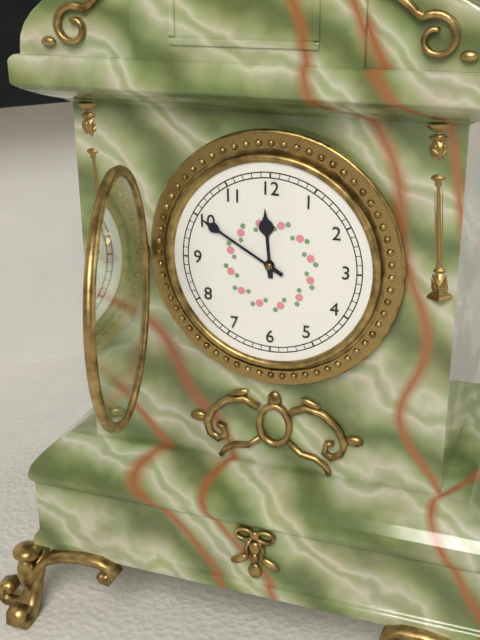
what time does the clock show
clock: 11:50
